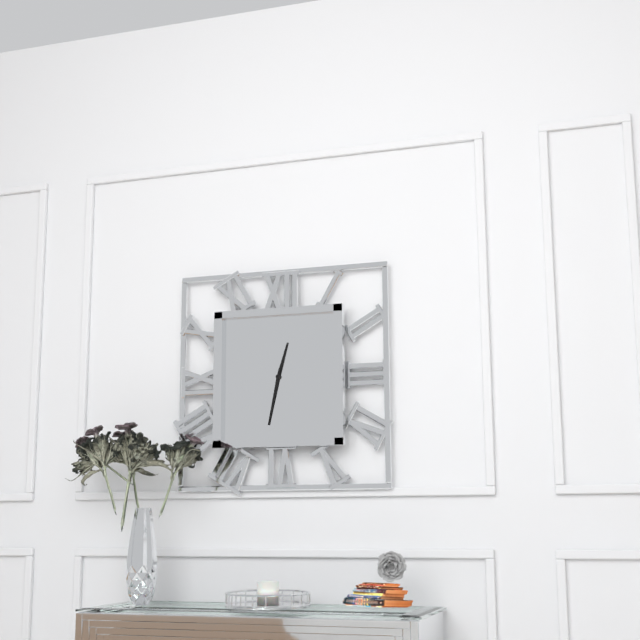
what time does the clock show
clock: 12:32
